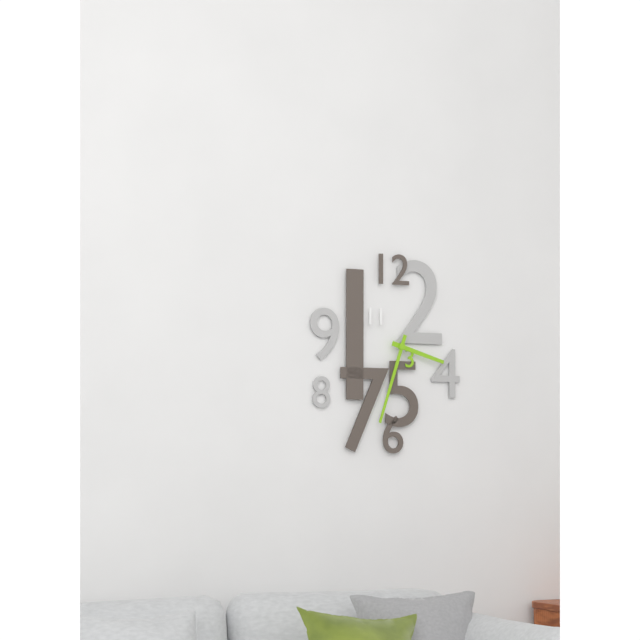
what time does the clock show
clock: 3:33
